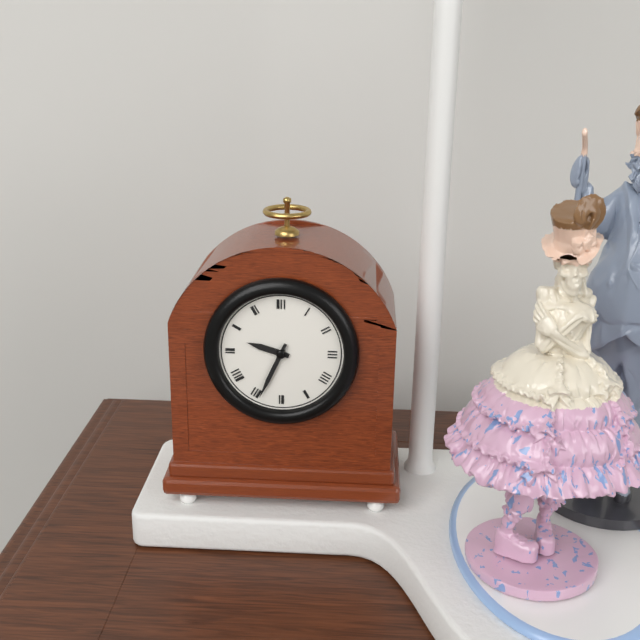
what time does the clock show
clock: 9:34
